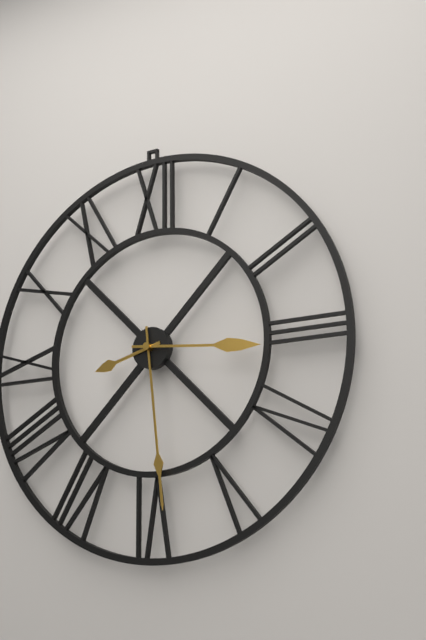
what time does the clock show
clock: 8:29:16
